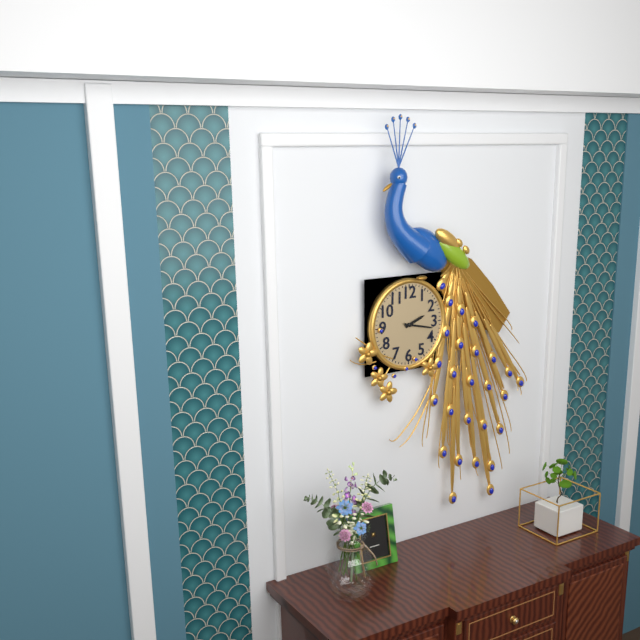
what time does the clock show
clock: 2:17
